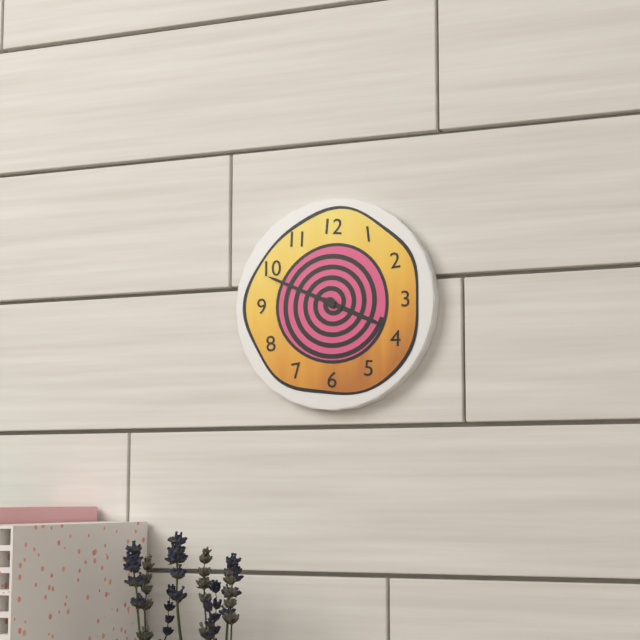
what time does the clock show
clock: 3:49
